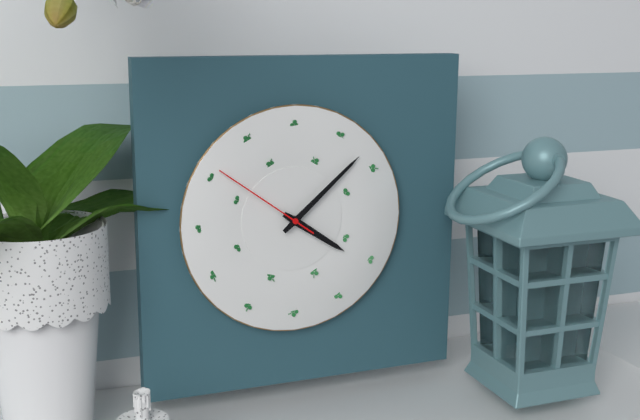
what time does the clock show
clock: 4:08:51
